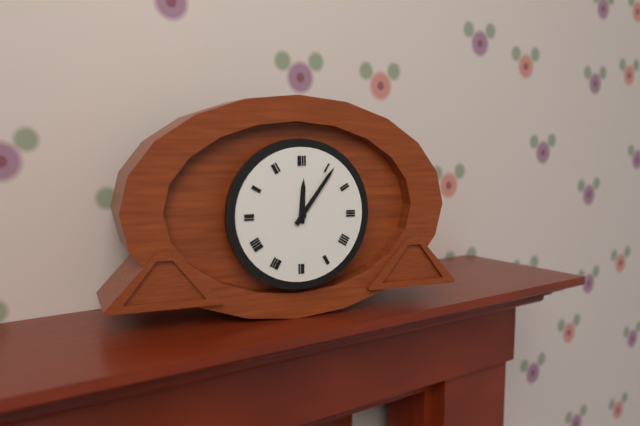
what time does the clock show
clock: 12:06
